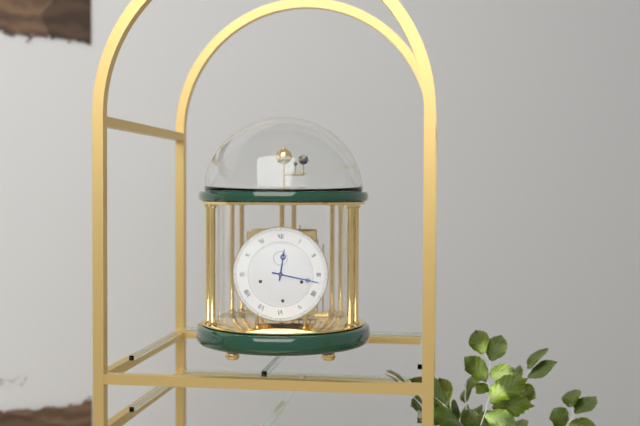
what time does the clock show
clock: 12:17
